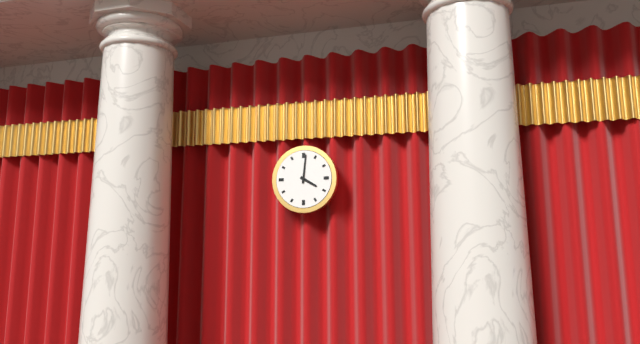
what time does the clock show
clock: 4:01
